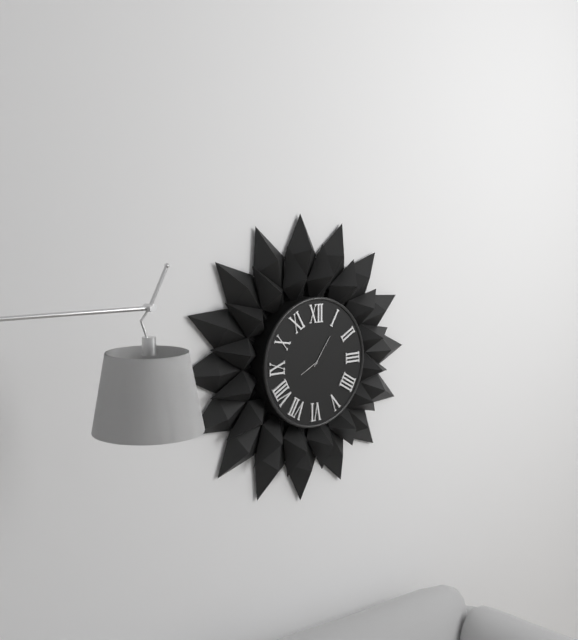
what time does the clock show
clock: 8:06
